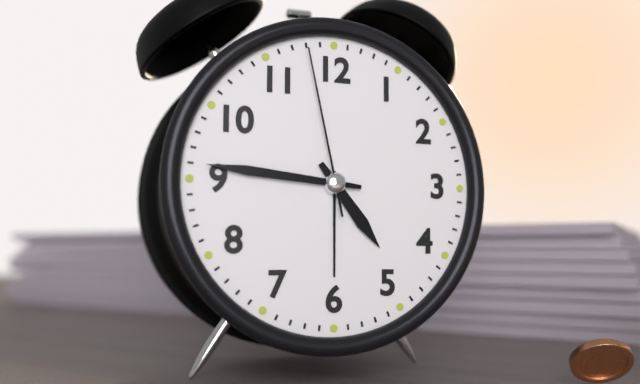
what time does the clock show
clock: 4:46:58
